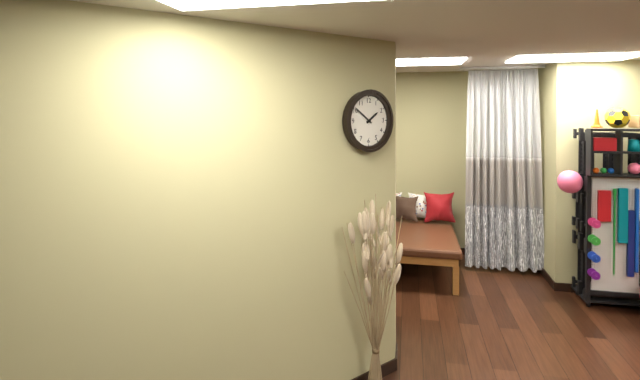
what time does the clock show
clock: 1:51
